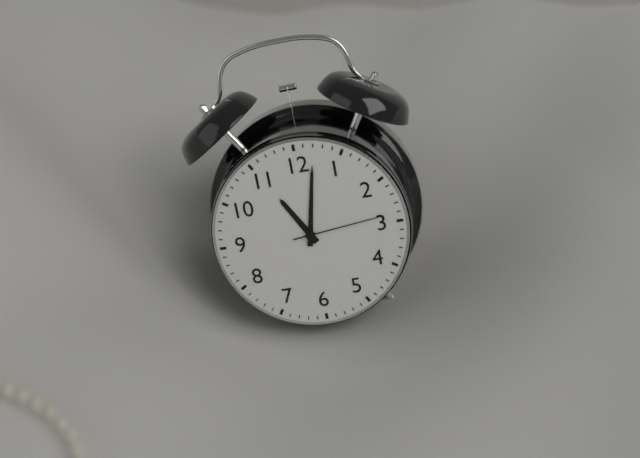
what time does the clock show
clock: 11:02:14
